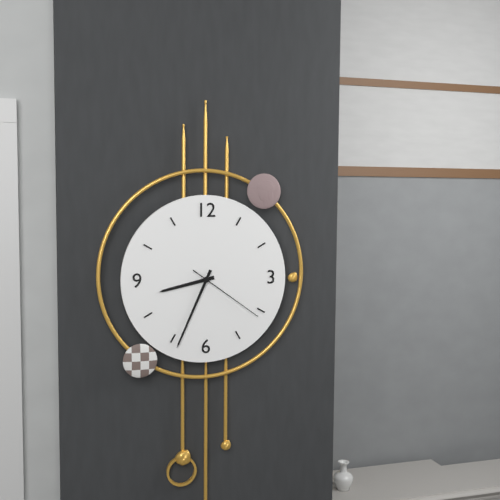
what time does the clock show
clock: 8:34:21
